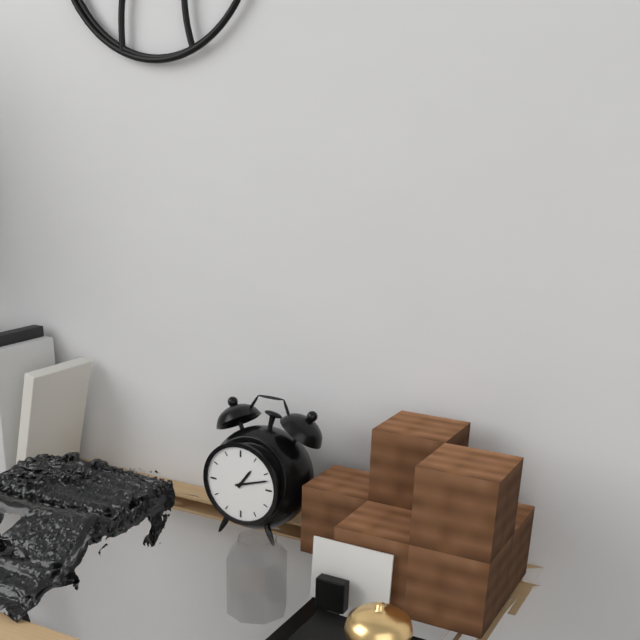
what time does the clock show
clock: 1:12
